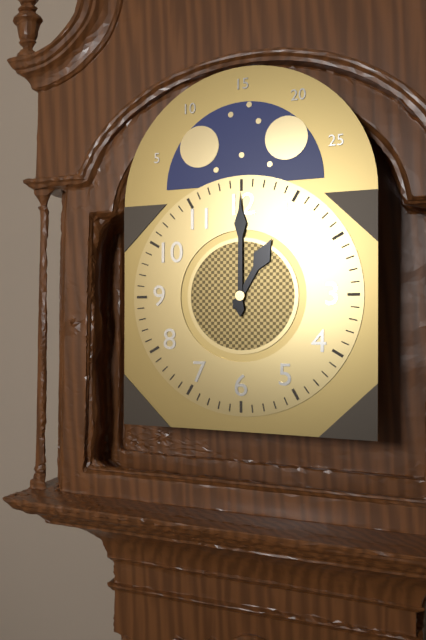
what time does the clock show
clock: 1:00
